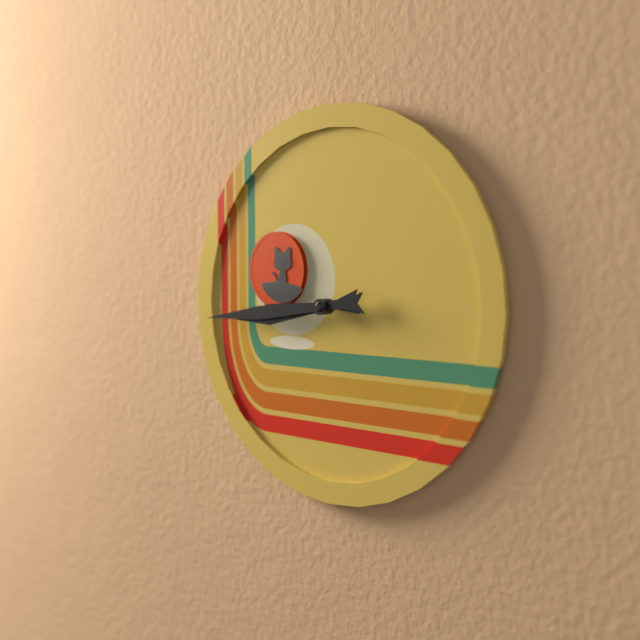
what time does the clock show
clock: 8:44
